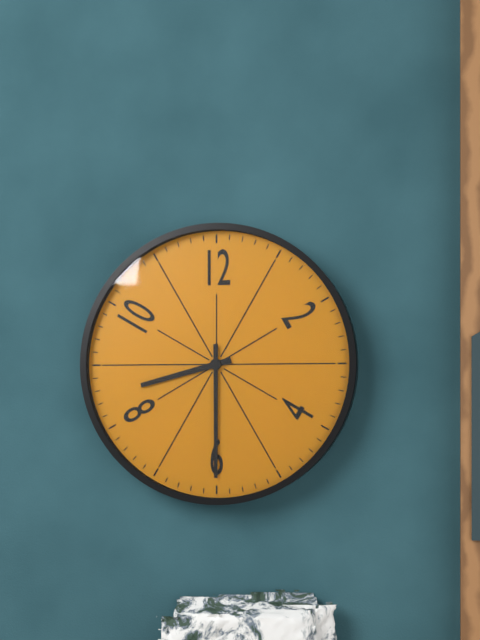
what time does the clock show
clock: 8:30
